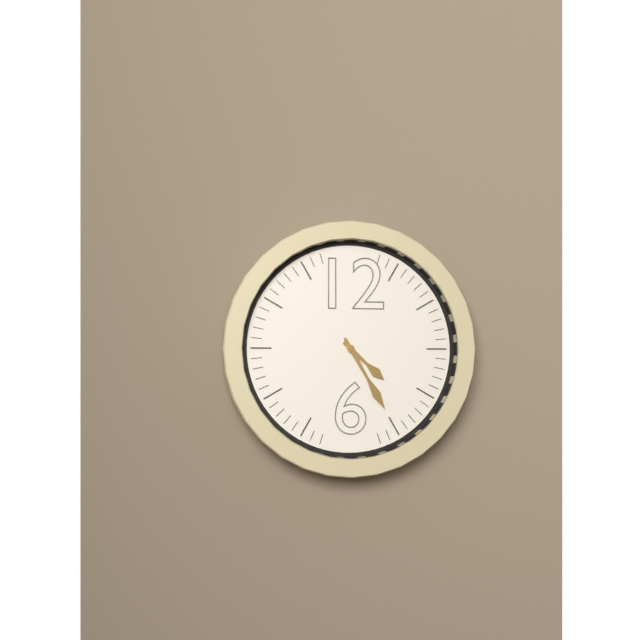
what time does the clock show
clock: 4:25
